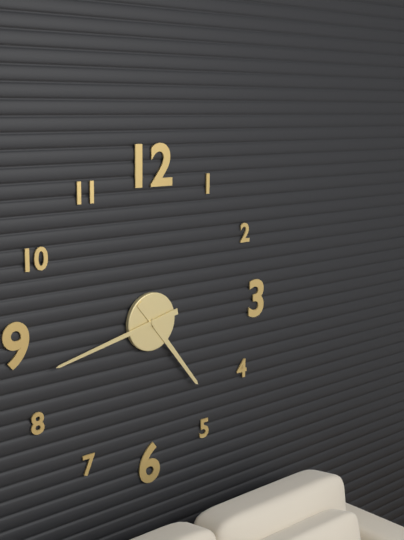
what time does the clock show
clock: 4:43
